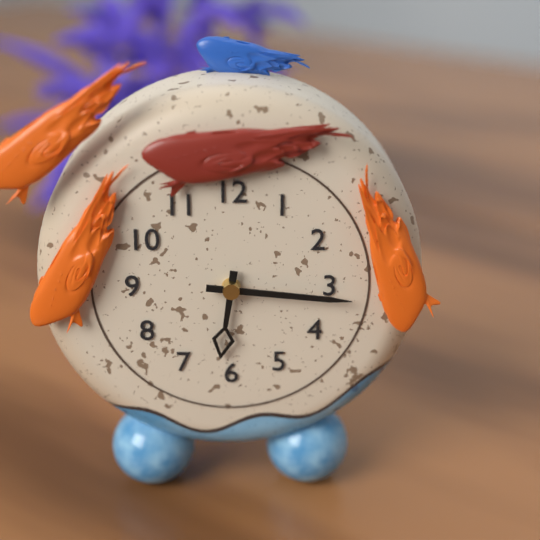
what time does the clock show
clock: 6:16
